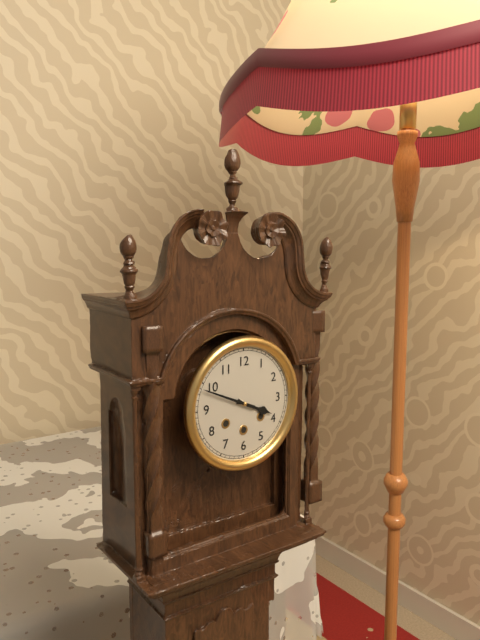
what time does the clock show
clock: 3:49
